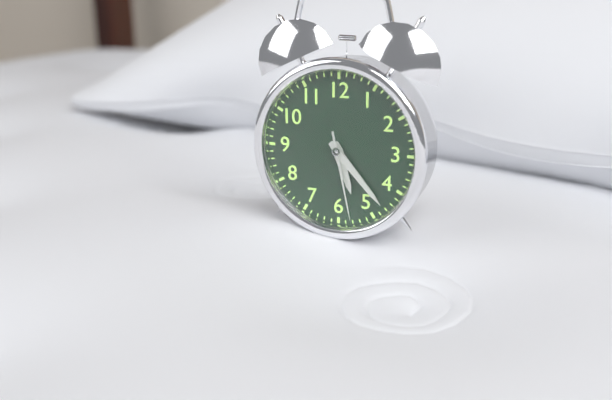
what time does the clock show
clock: 5:23:28
